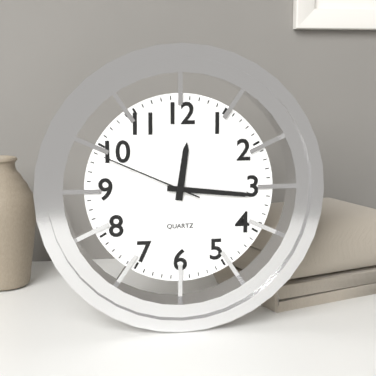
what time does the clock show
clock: 12:16:49
